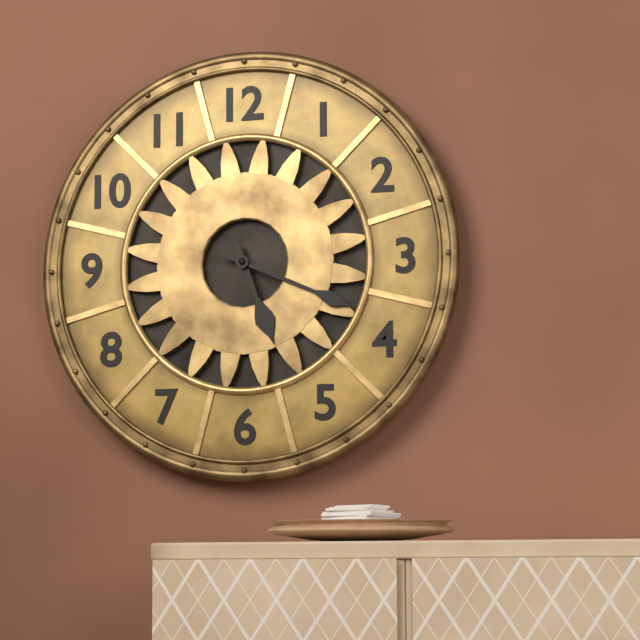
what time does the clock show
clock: 5:19
